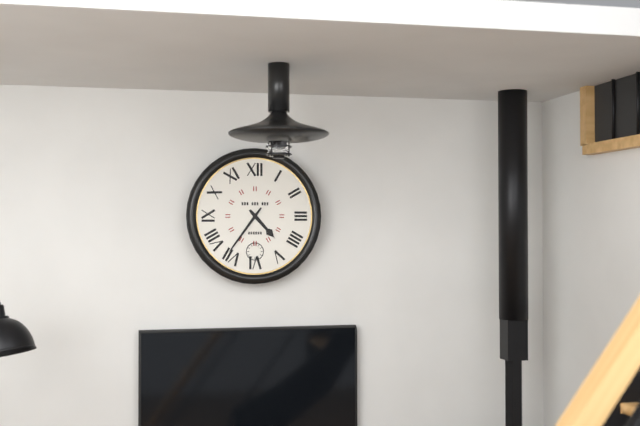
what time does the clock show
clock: 4:36
